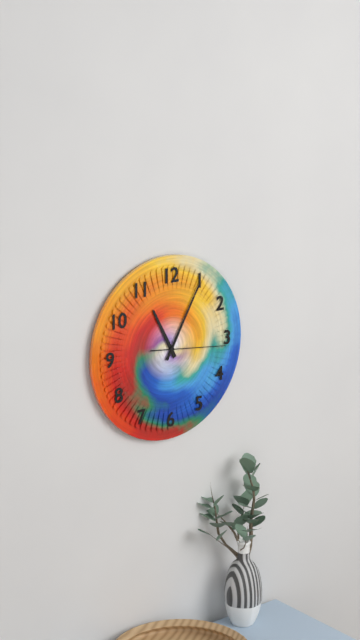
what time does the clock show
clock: 11:05:16
